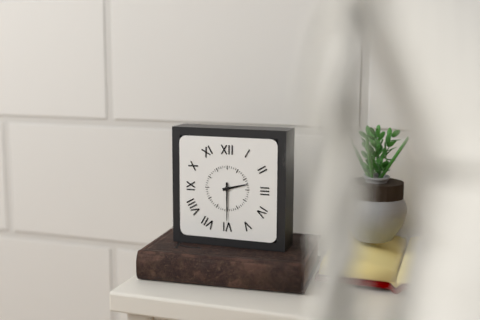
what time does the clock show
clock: 2:30
